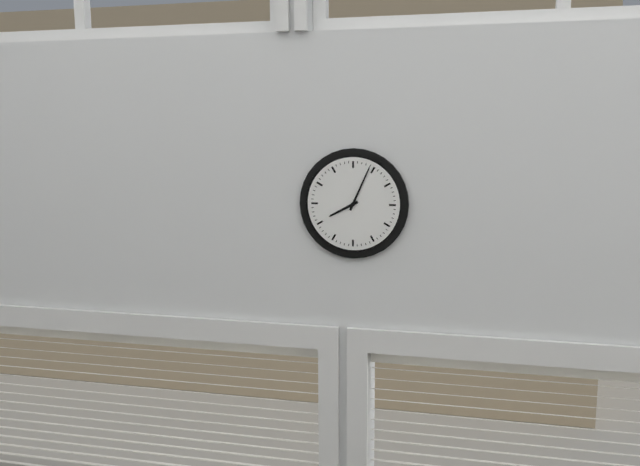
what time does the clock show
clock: 8:04
